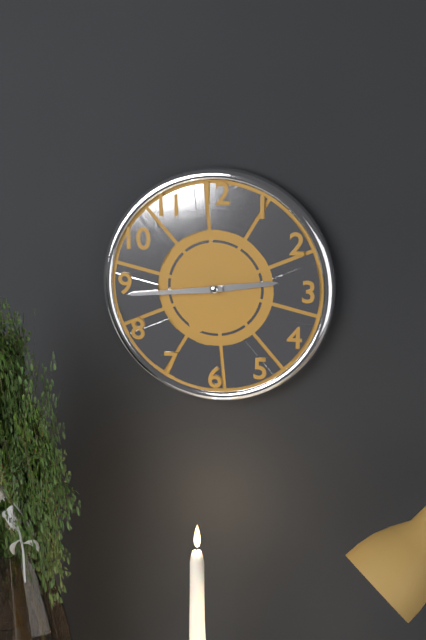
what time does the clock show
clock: 2:44
